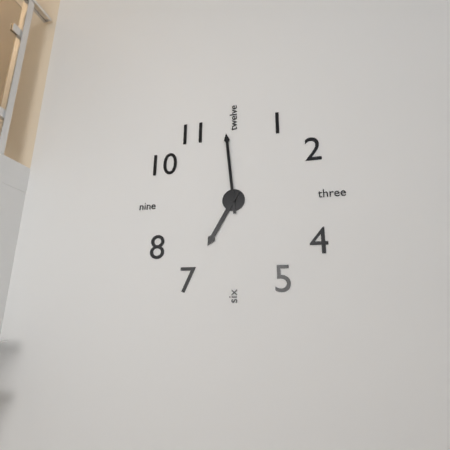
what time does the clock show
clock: 6:59
